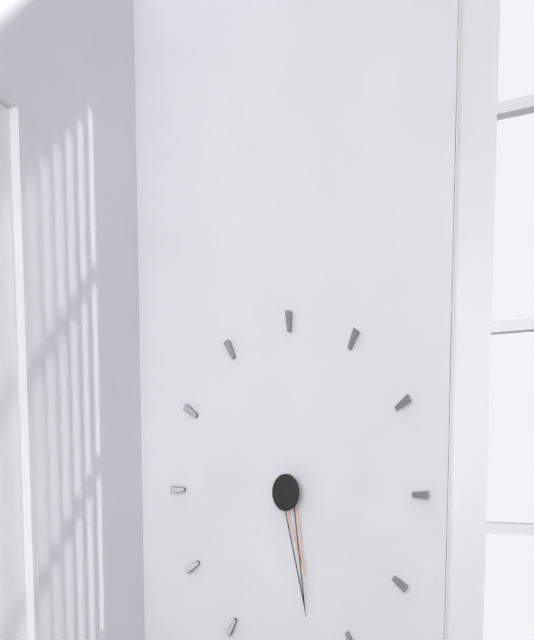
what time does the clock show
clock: 5:28
